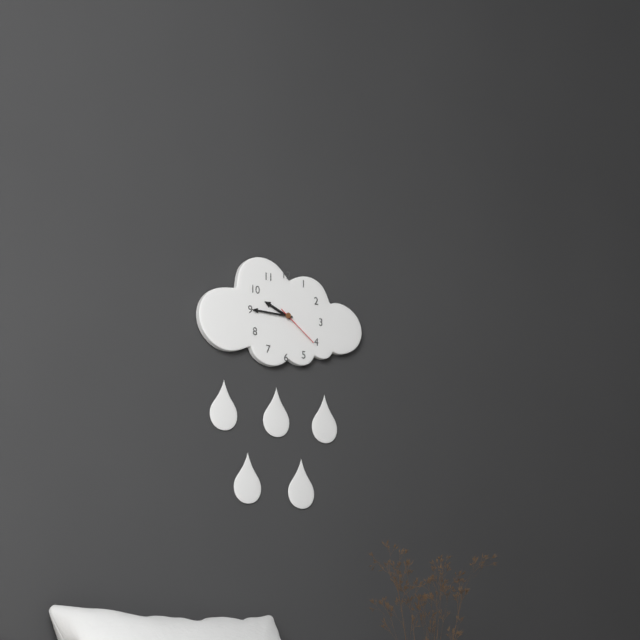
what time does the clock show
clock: 9:45
